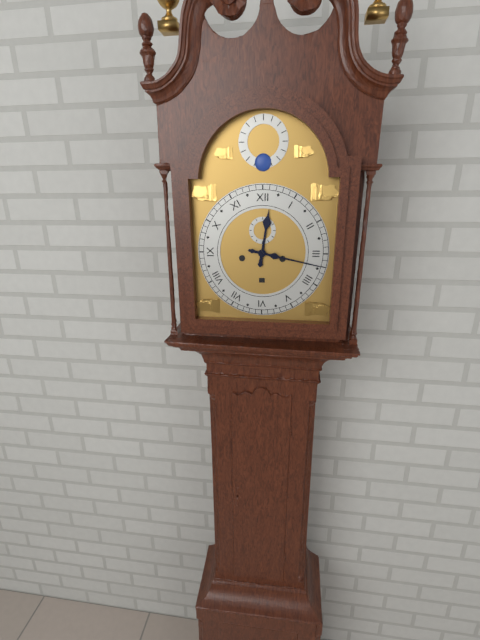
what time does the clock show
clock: 12:17
